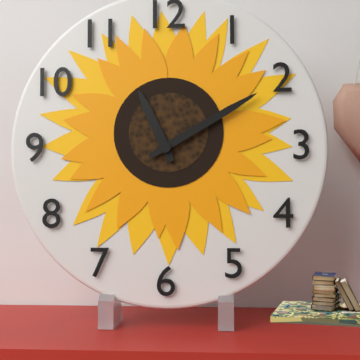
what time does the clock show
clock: 11:10
